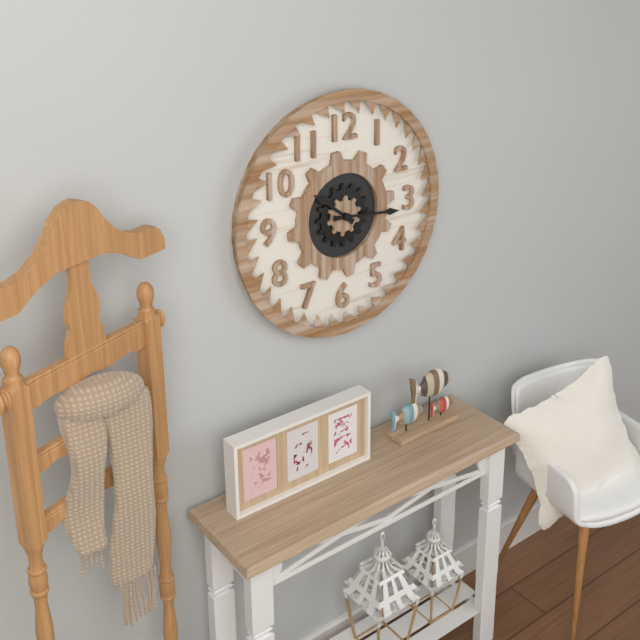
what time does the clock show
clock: 10:16
